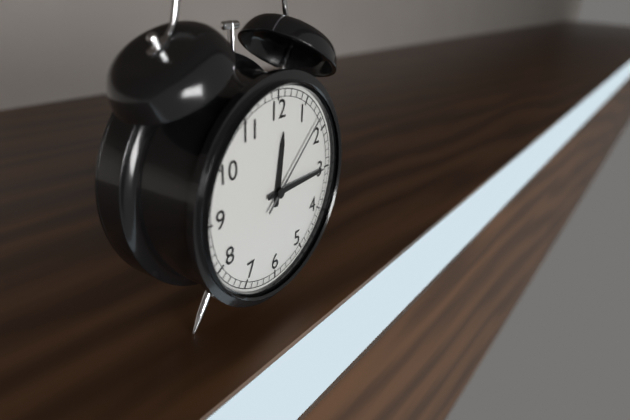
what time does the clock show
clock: 12:15:08
